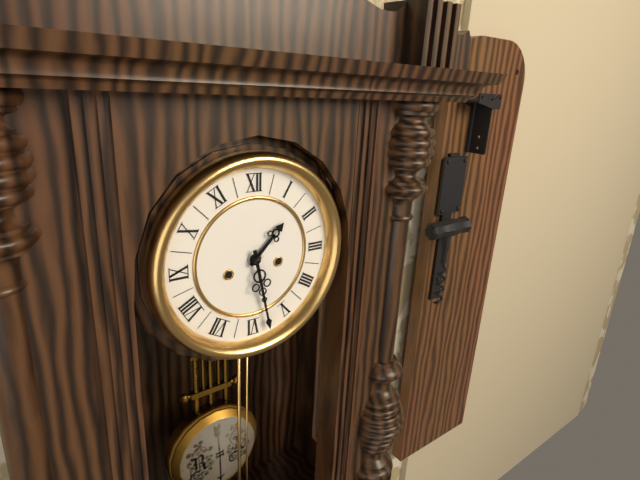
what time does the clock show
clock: 1:28
